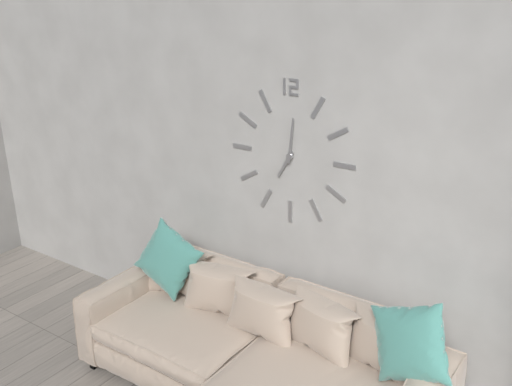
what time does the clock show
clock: 7:01
